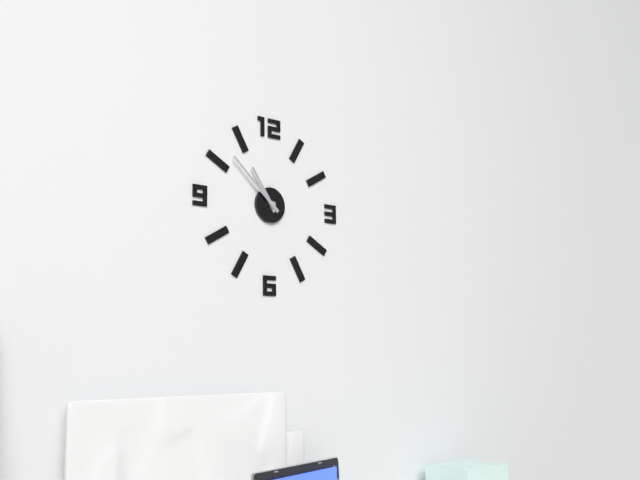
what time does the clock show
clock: 10:52
